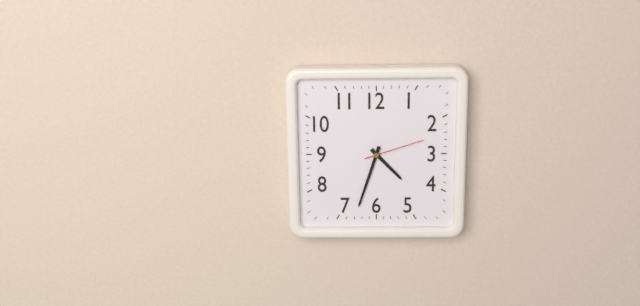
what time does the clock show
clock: 4:33:12
